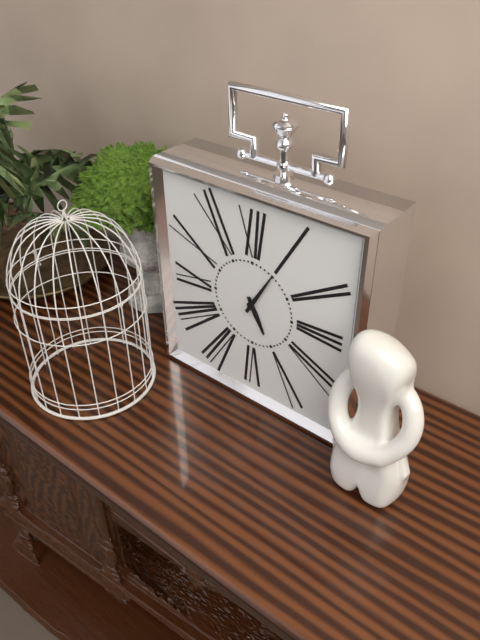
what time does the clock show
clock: 5:05
